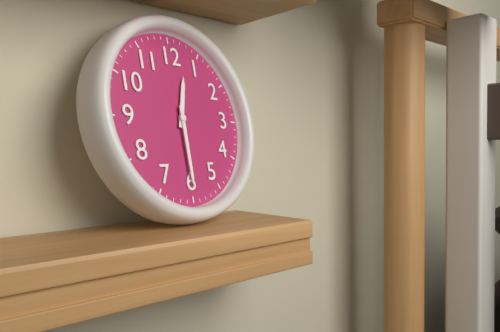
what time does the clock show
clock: 12:30
